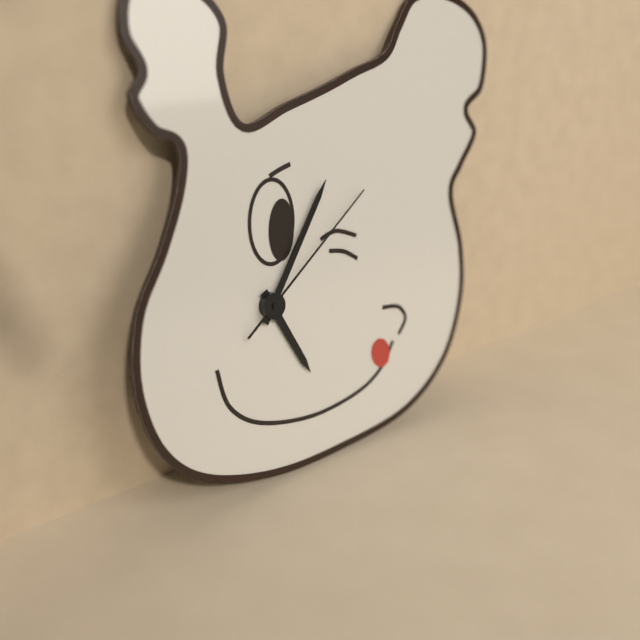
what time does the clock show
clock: 5:06:09
